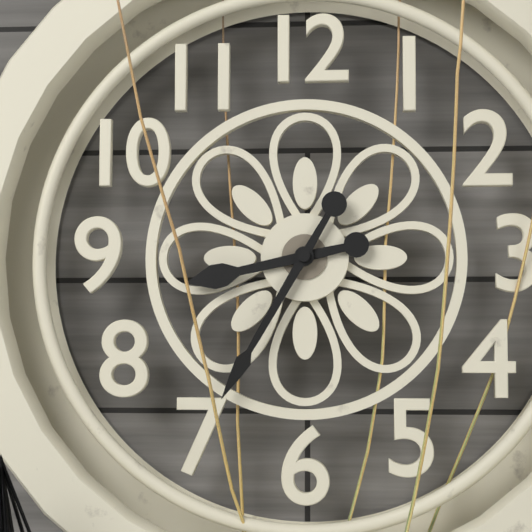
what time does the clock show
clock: 8:35
